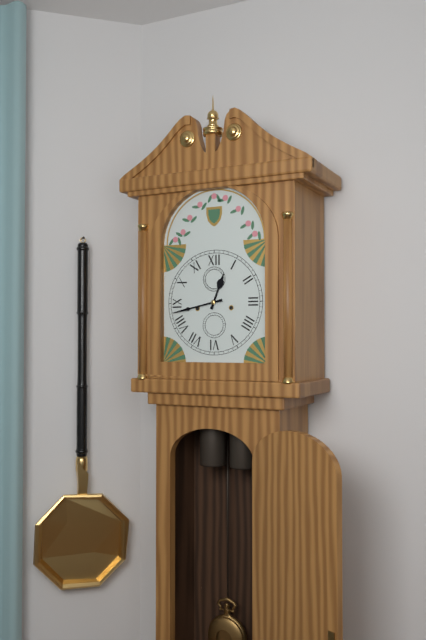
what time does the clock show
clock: 12:43
